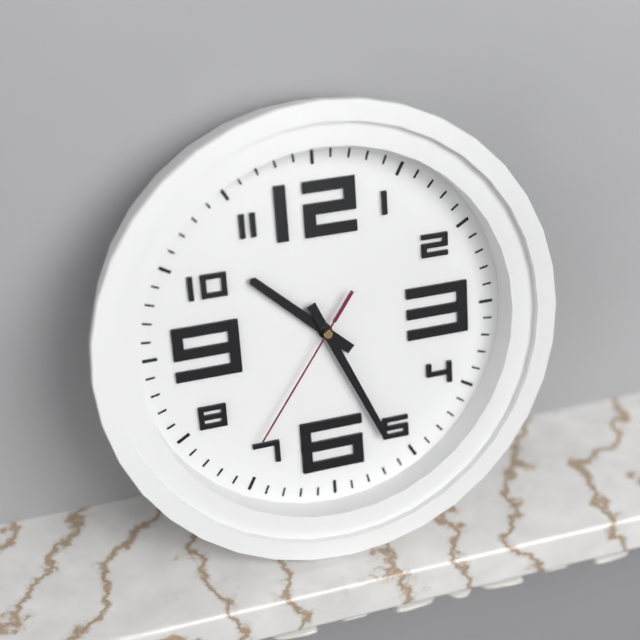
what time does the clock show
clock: 10:26:36
